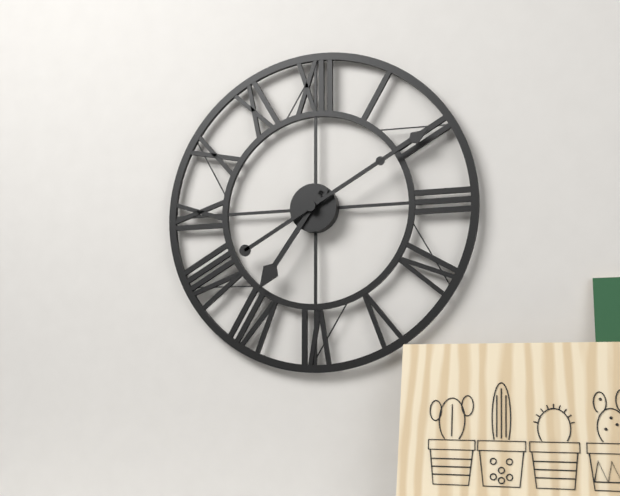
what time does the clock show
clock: 7:10
